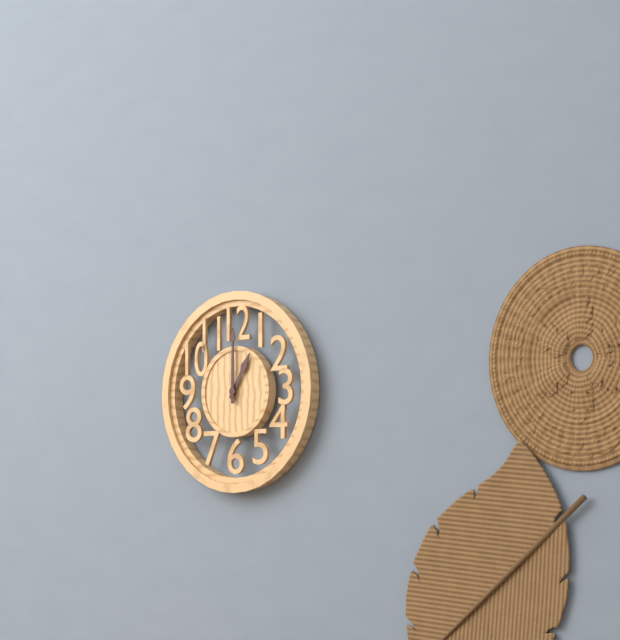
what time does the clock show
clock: 1:00
